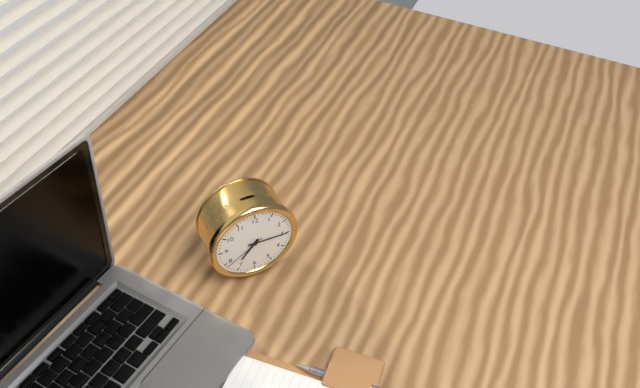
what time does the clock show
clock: 7:15
